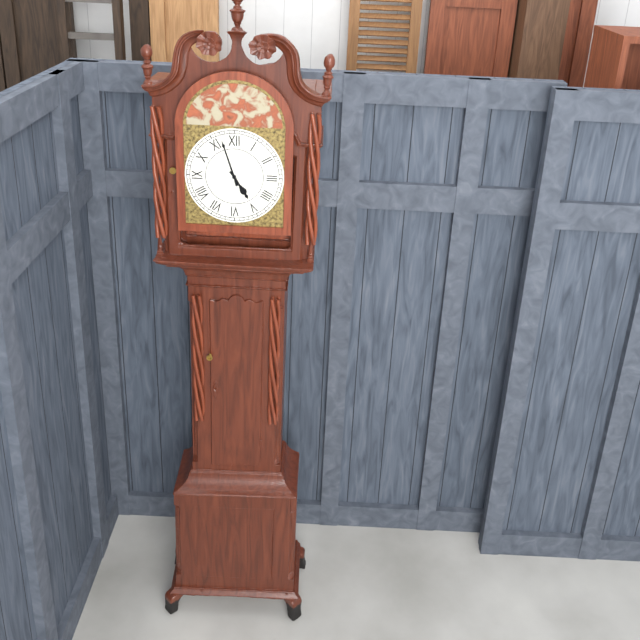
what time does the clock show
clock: 4:57
